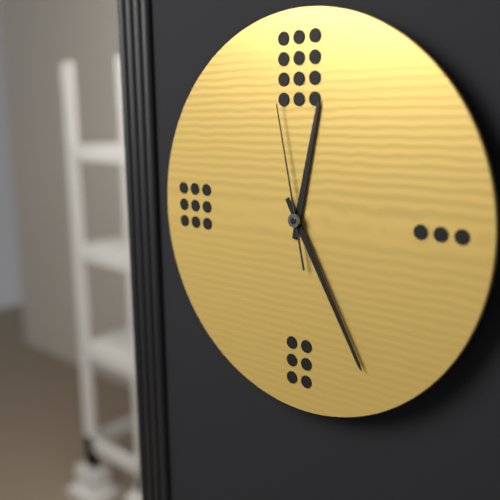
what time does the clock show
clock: 12:25:58
